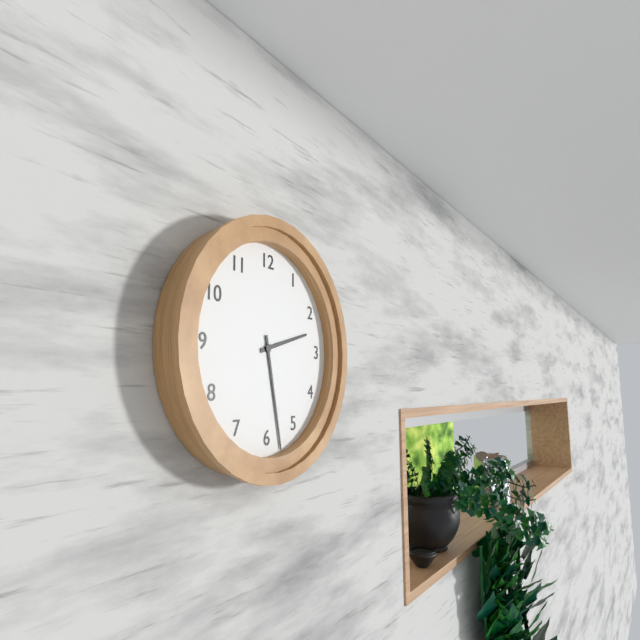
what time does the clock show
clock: 2:28
